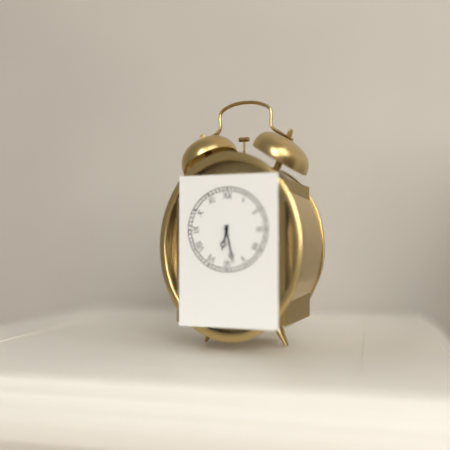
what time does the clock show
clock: 6:28
